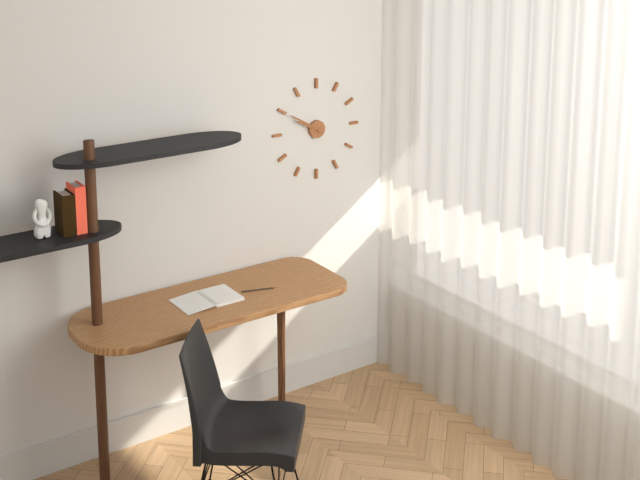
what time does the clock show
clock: 9:50
